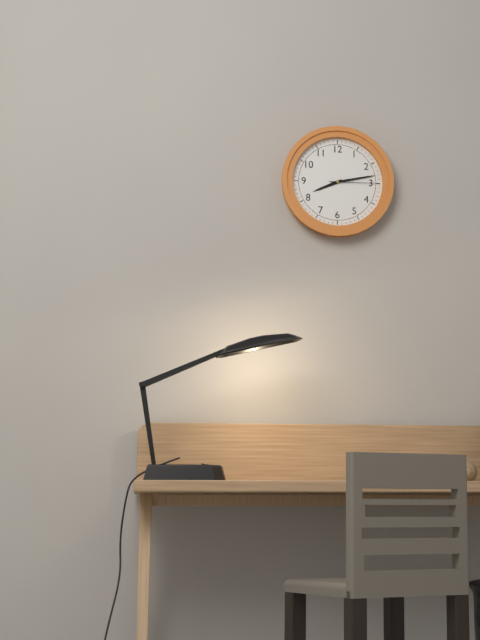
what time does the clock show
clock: 8:13:15
